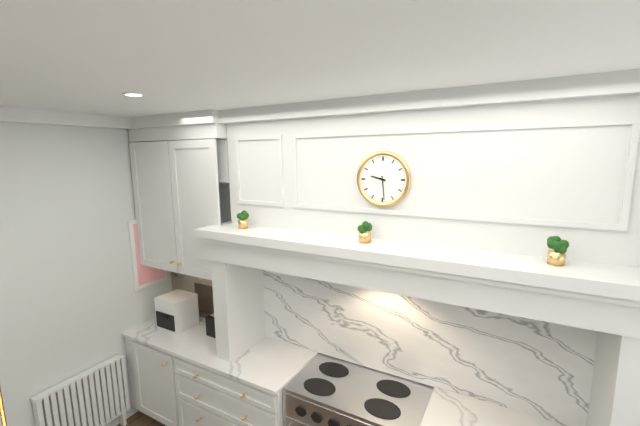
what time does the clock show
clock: 9:29
